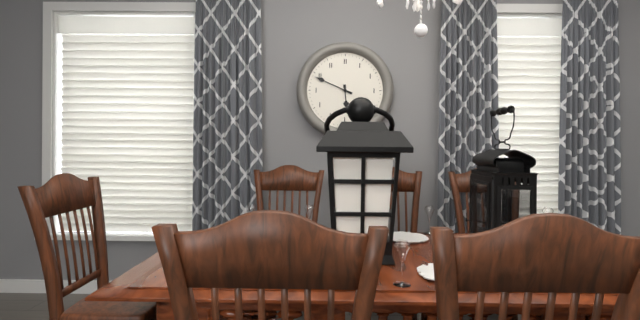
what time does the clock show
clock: 5:49
